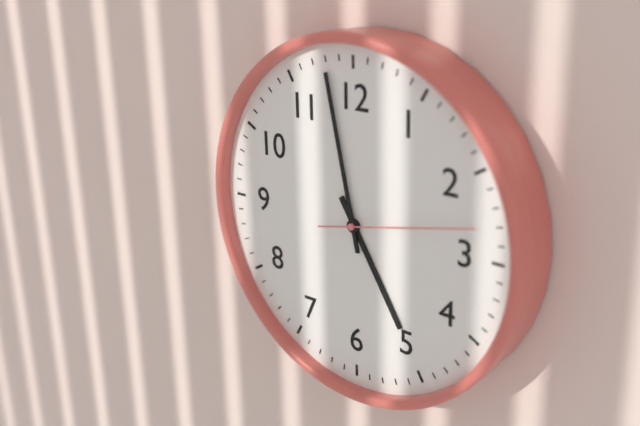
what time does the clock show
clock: 4:58:13
